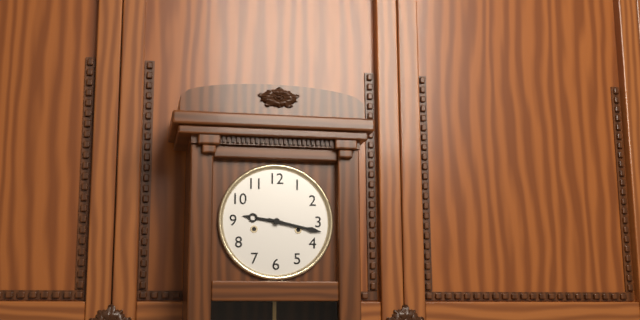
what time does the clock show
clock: 9:17
